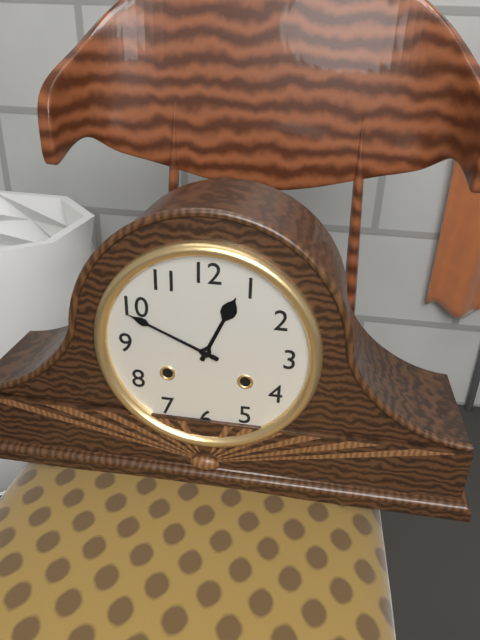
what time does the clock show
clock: 12:49
